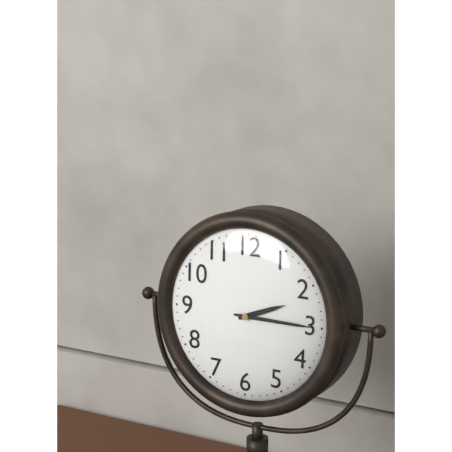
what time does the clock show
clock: 2:15
